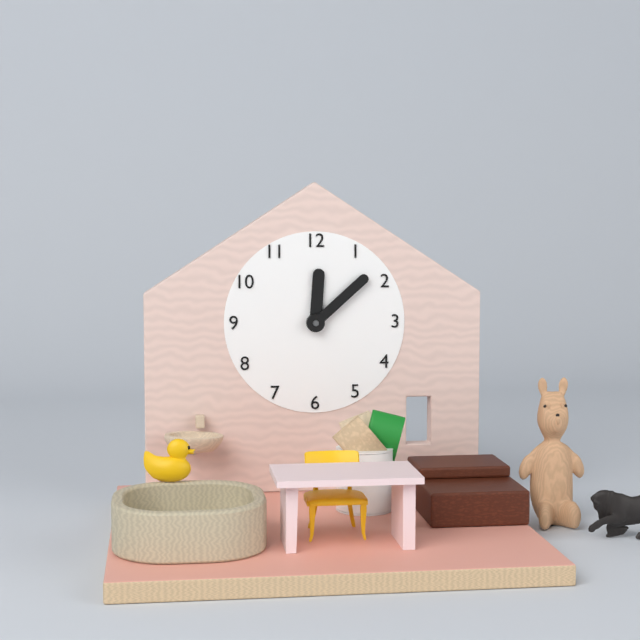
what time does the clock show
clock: 12:08
